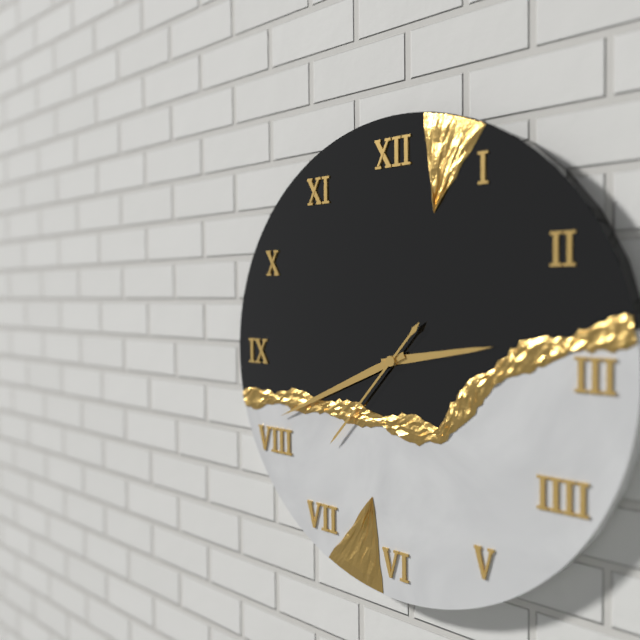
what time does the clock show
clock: 2:41:37
